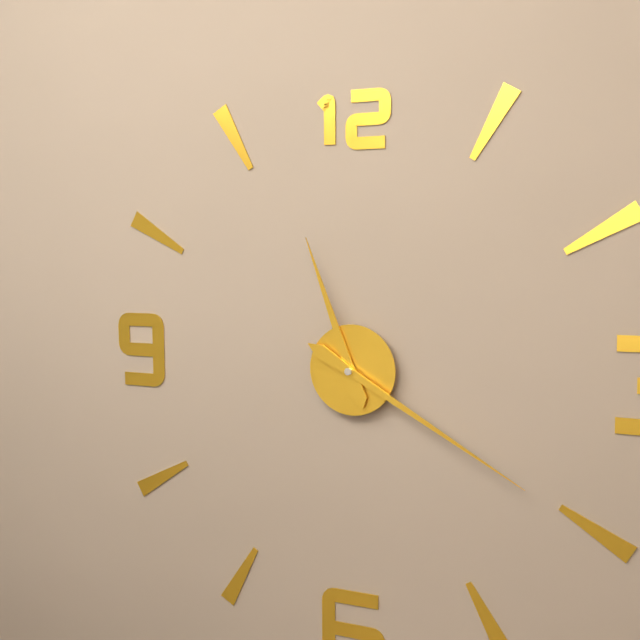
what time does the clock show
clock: 11:20
